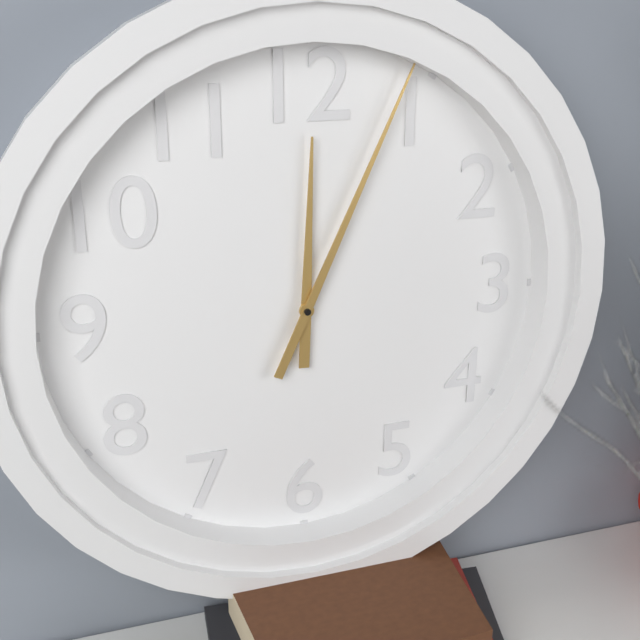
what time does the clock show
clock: 12:04
